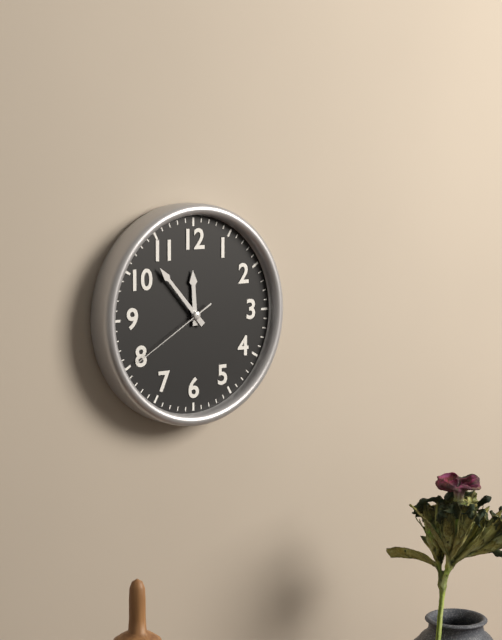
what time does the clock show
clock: 11:53:40
